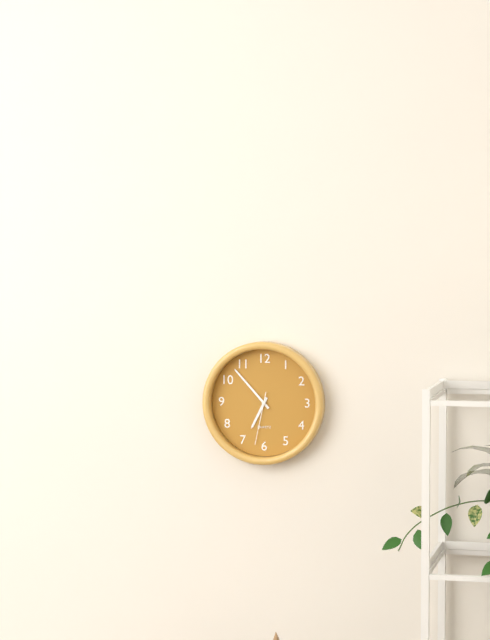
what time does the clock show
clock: 6:53:32
